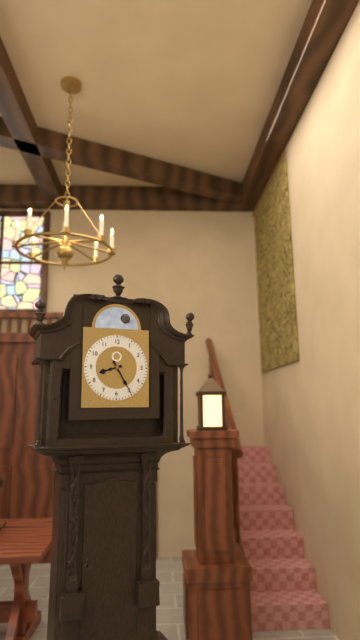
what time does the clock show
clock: 8:25
